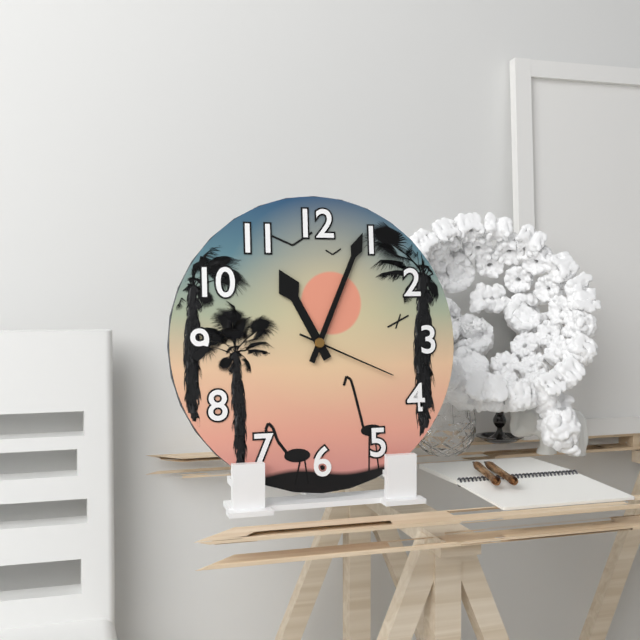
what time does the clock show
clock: 11:04:19
